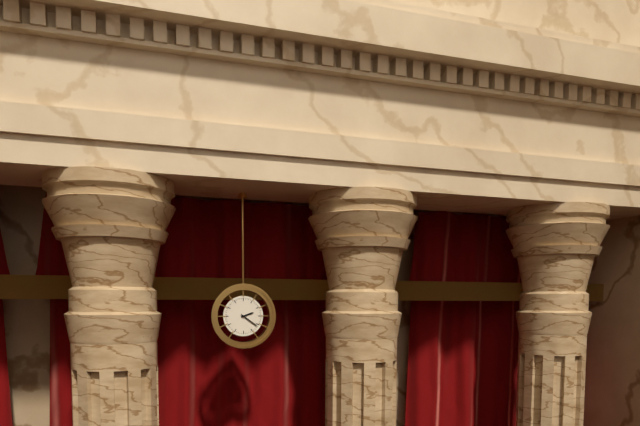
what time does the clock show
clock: 2:21
